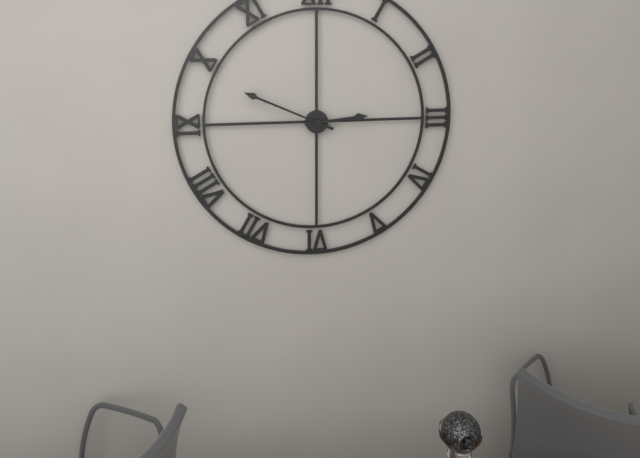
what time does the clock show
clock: 2:49
